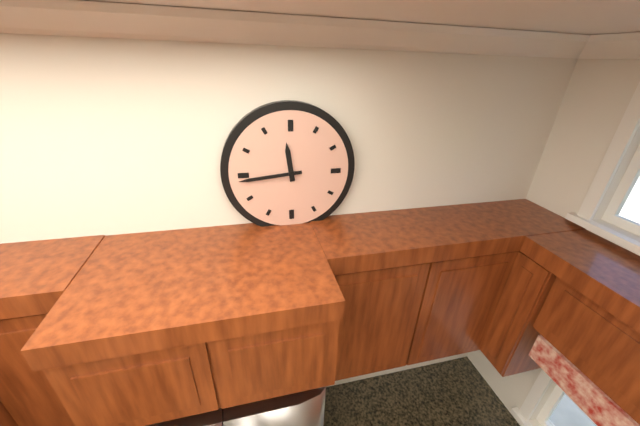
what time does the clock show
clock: 11:44
